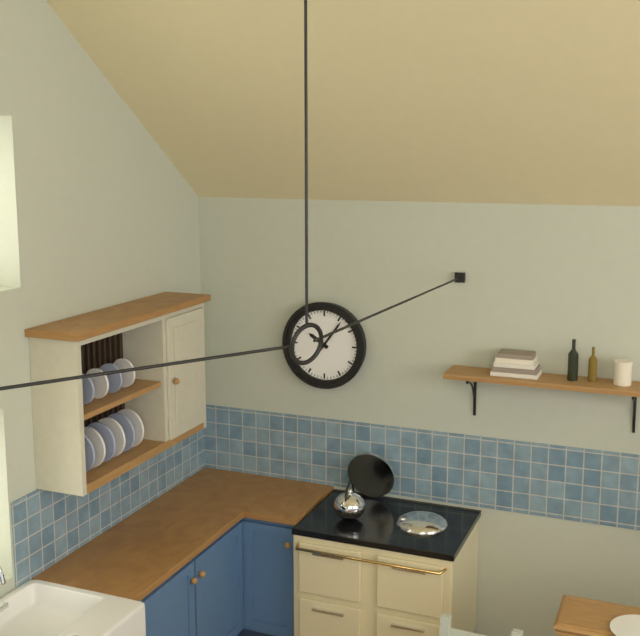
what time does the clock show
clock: 10:06
